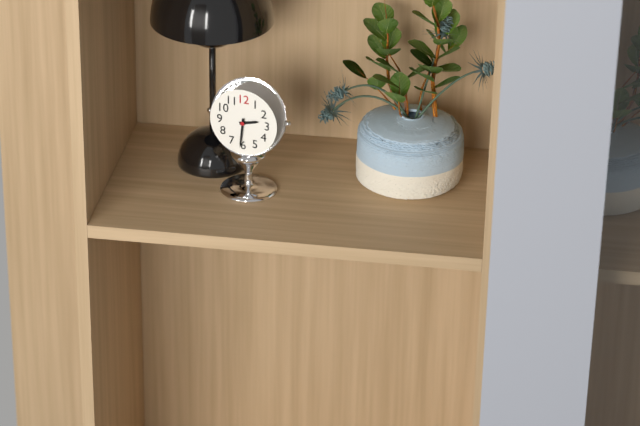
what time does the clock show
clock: 2:31
